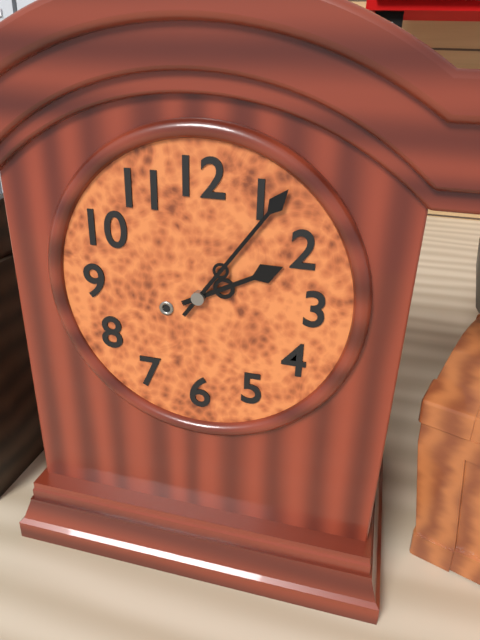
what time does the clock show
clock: 2:06
